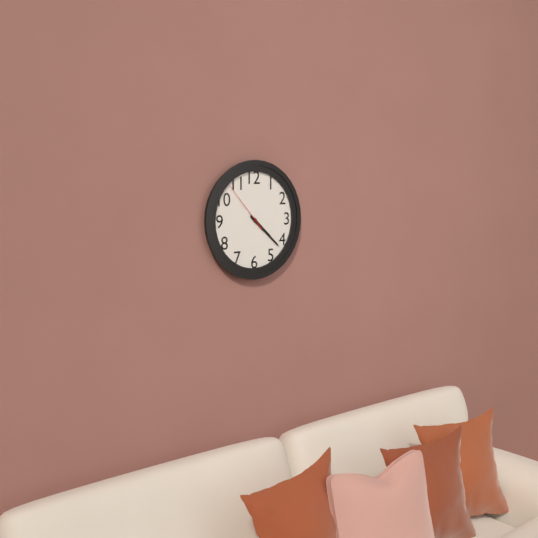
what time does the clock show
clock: 4:22:53
